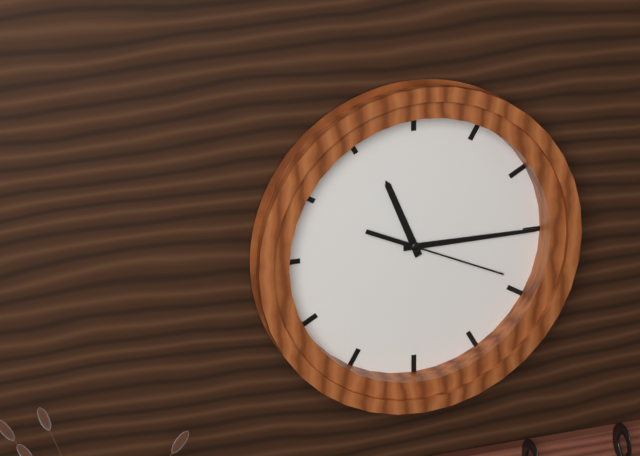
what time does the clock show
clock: 11:15:19
